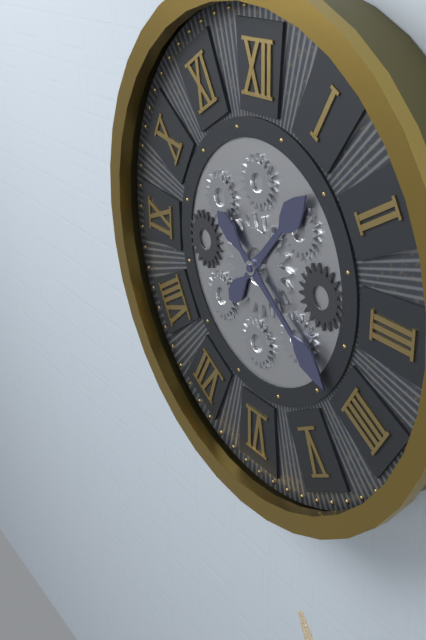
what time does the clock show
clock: 1:21
